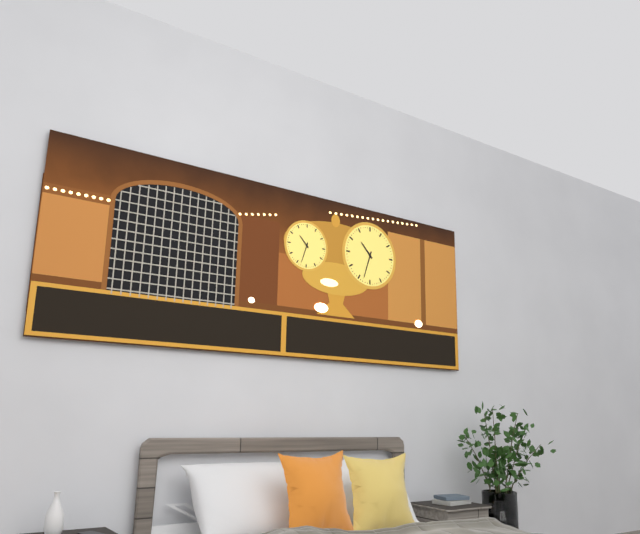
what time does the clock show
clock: 10:33
